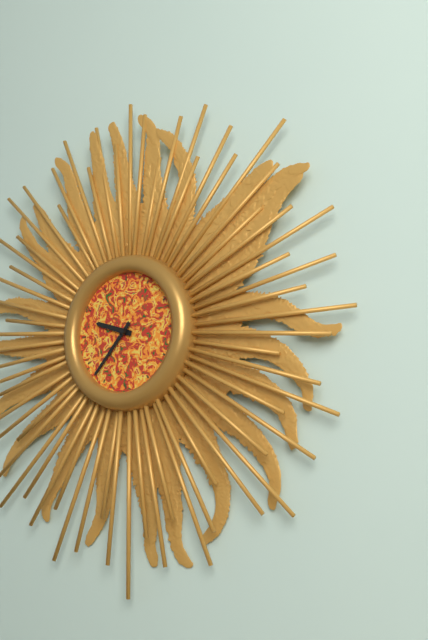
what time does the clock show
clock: 9:37
